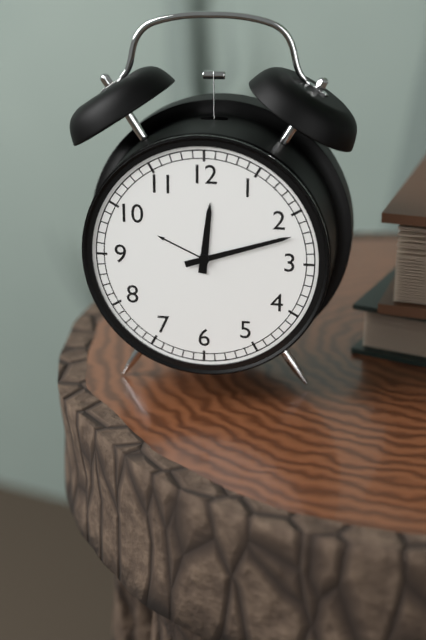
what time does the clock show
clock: 12:12
